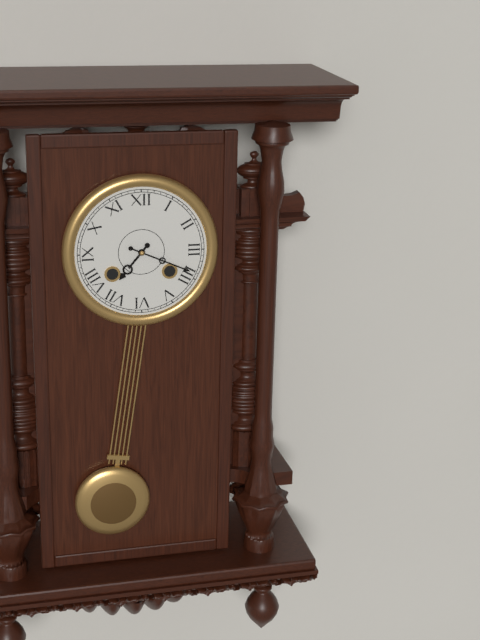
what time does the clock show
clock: 7:19
